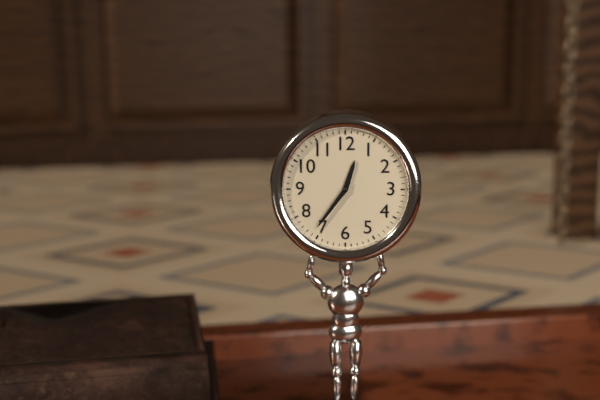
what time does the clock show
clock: 12:36
